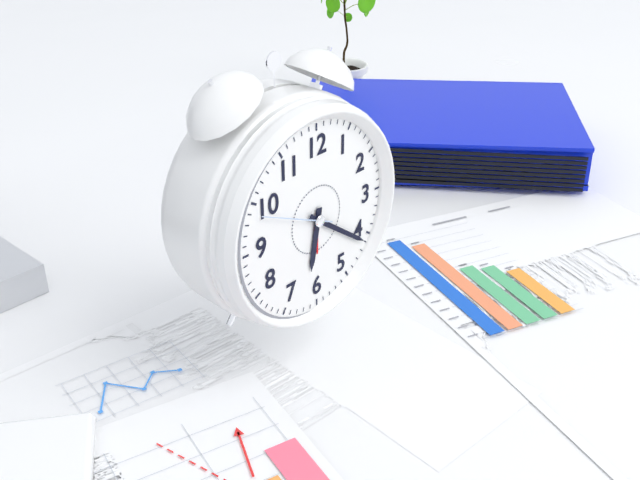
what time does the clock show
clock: 6:21:49
